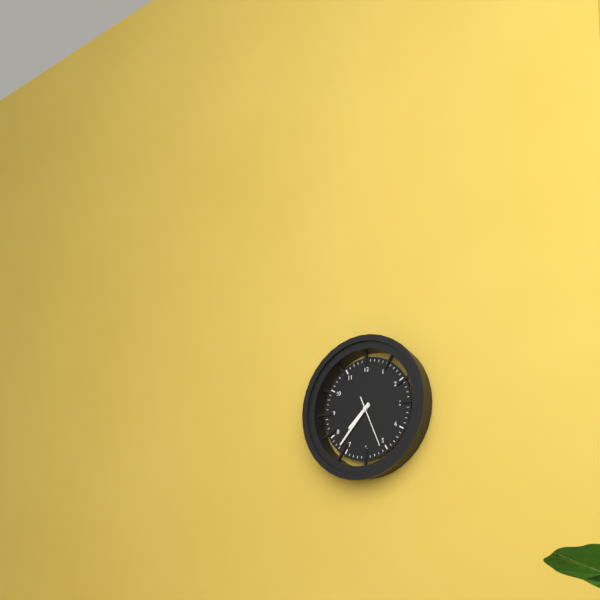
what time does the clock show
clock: 7:37:26
